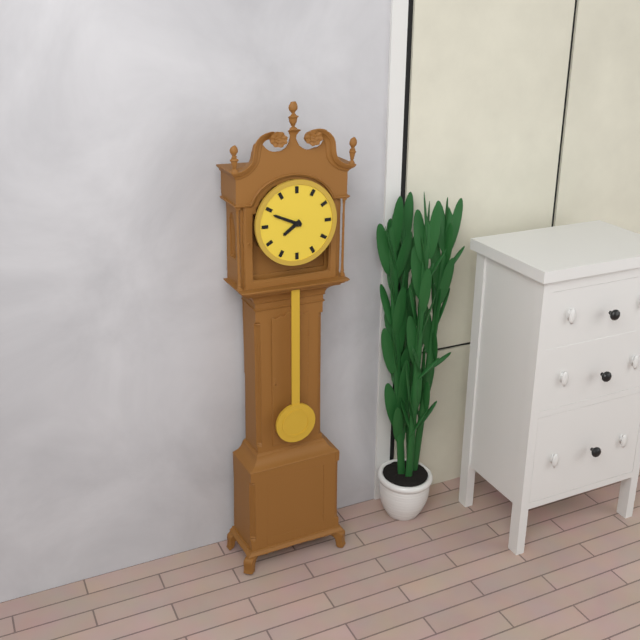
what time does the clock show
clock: 7:49
